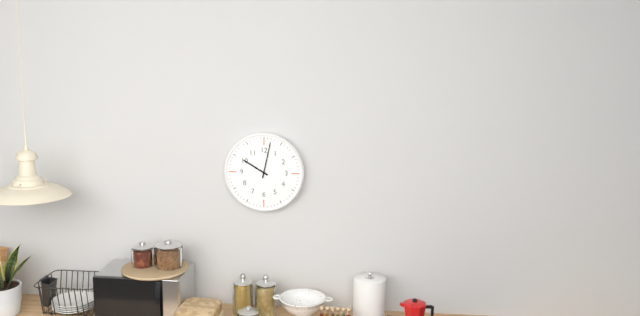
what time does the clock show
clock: 10:02
